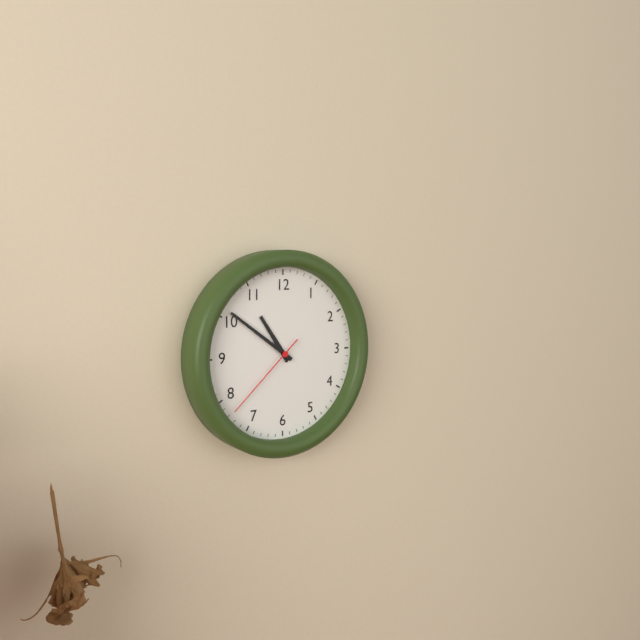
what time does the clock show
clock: 10:51:38
